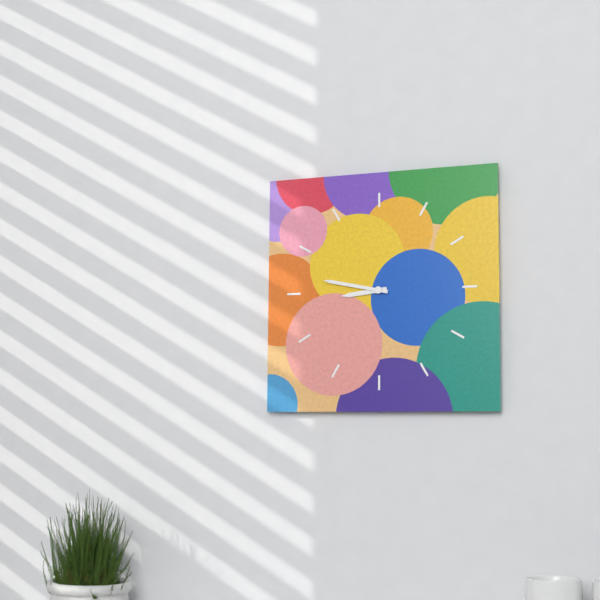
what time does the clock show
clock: 8:47
